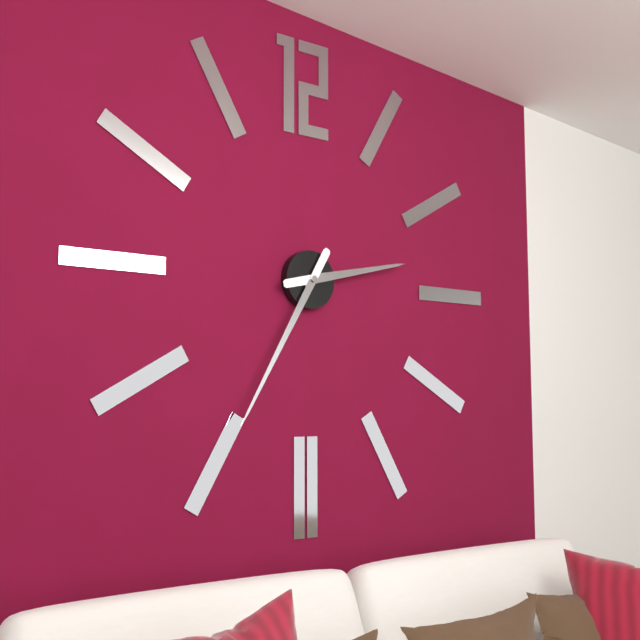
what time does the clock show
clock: 2:35
